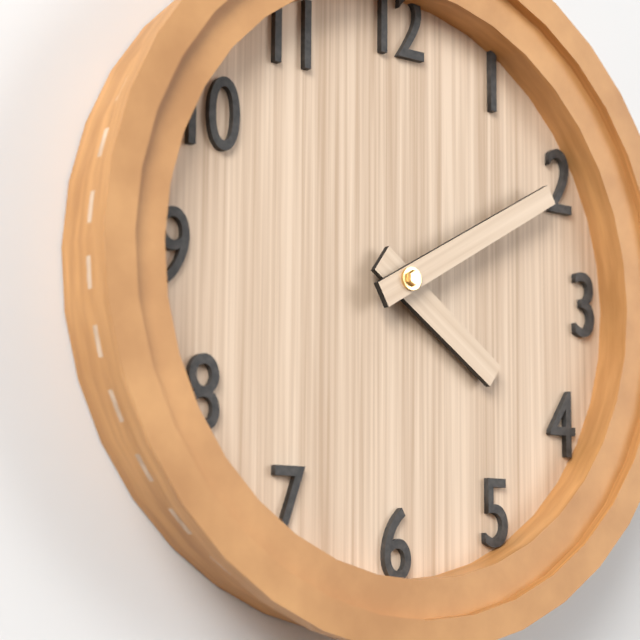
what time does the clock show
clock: 4:10
